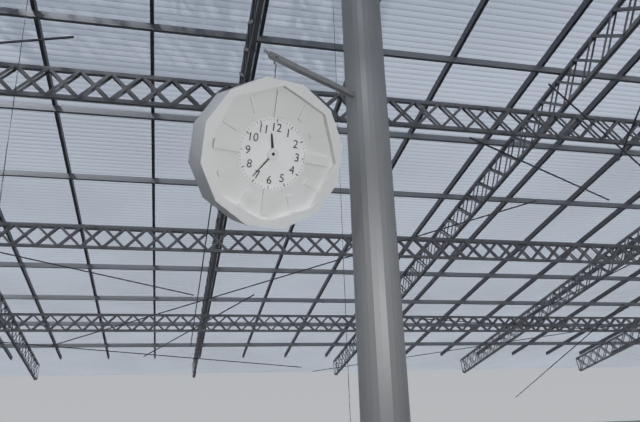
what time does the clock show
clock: 11:36
